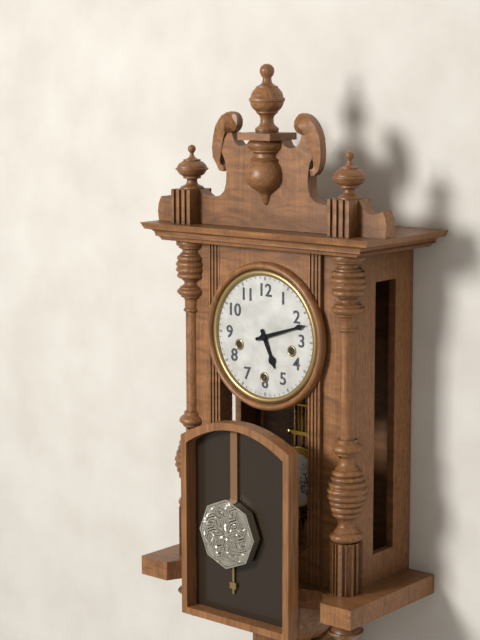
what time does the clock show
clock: 5:12
